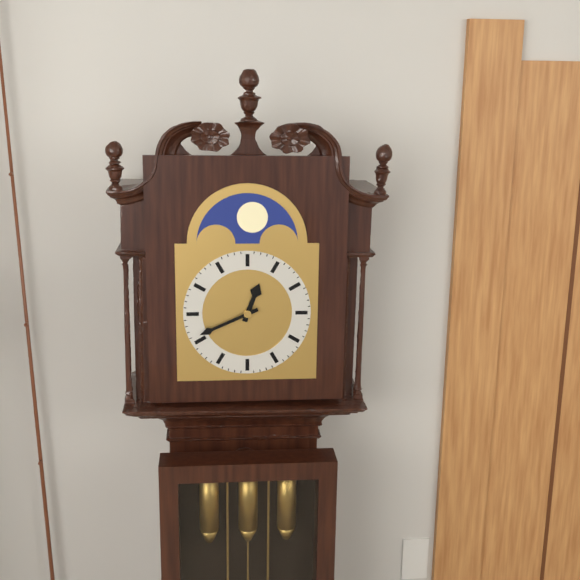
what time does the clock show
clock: 12:41
